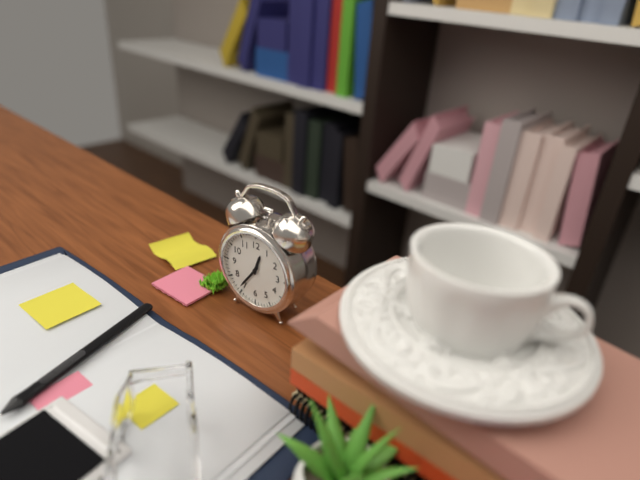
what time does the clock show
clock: 12:36
